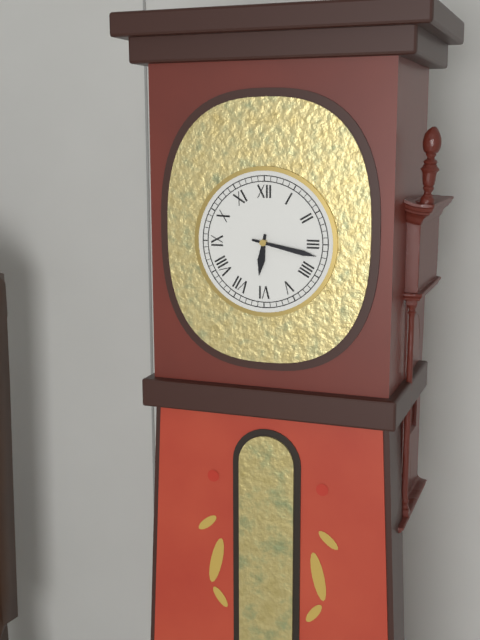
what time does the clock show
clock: 6:17
